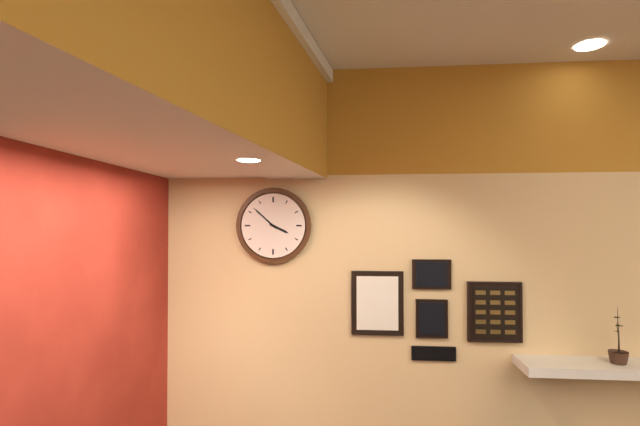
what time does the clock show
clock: 3:52
